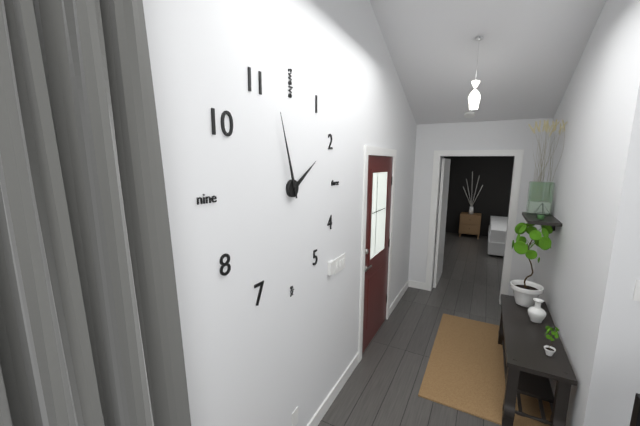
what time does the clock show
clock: 1:57
